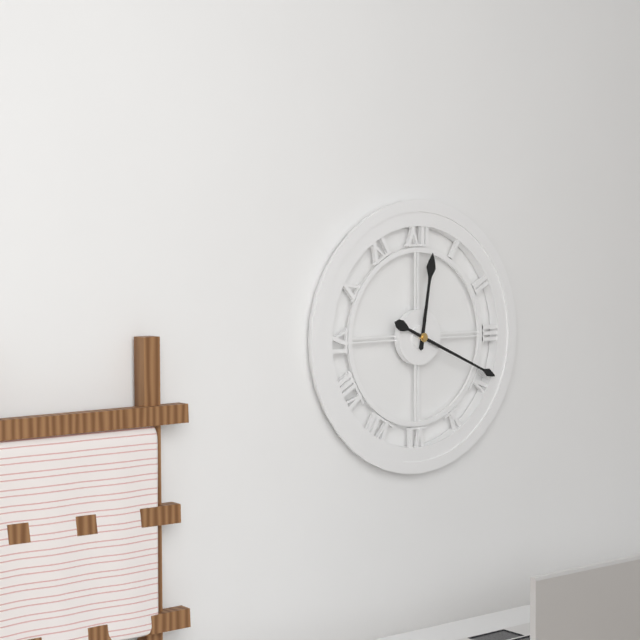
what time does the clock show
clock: 12:19
